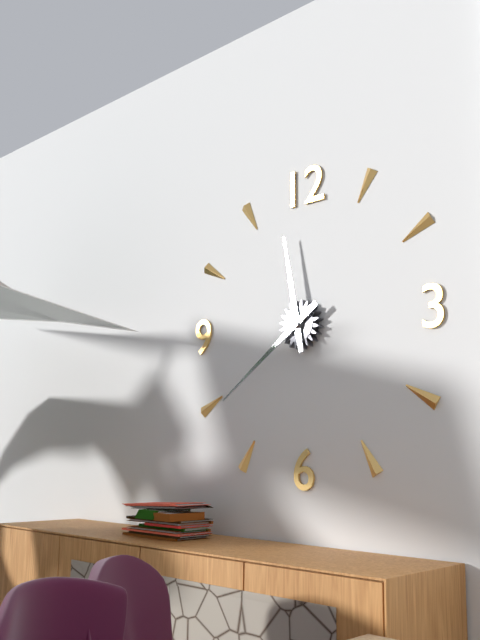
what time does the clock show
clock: 11:39
